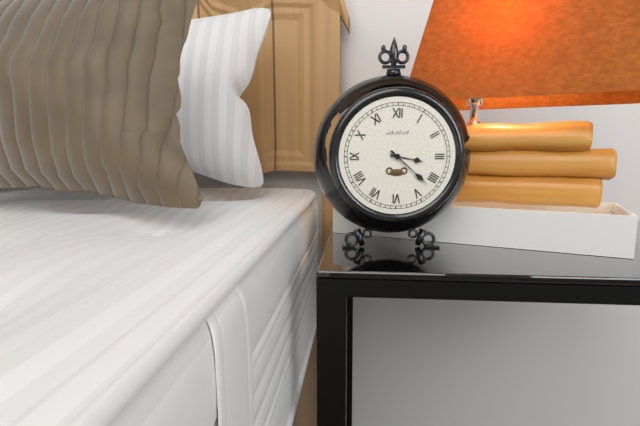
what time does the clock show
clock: 3:22
